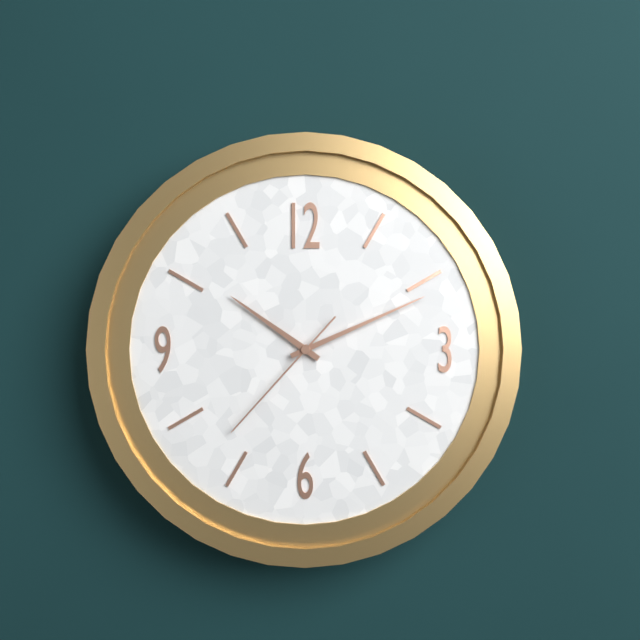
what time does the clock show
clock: 10:11:37
